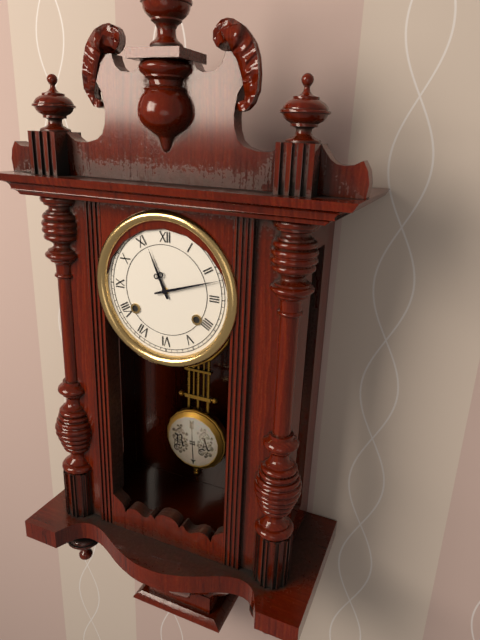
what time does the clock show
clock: 11:12
